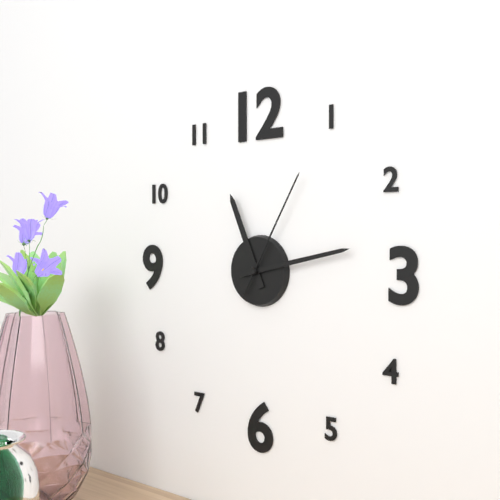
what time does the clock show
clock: 11:13:05
